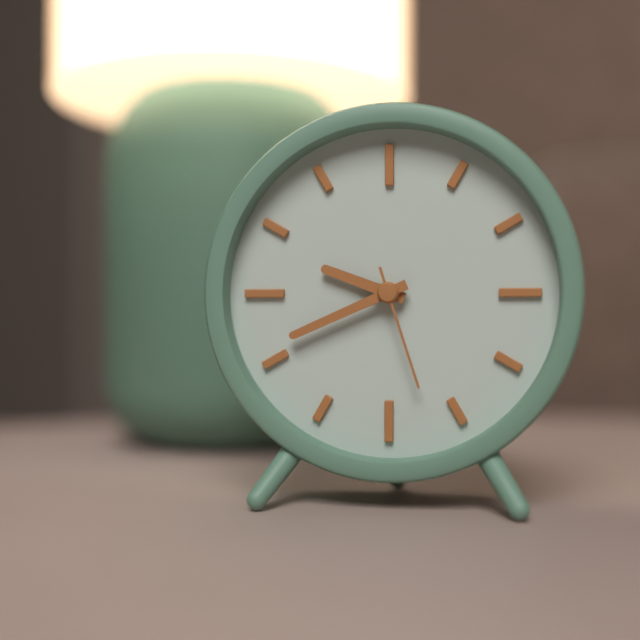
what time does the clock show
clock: 9:41:27
